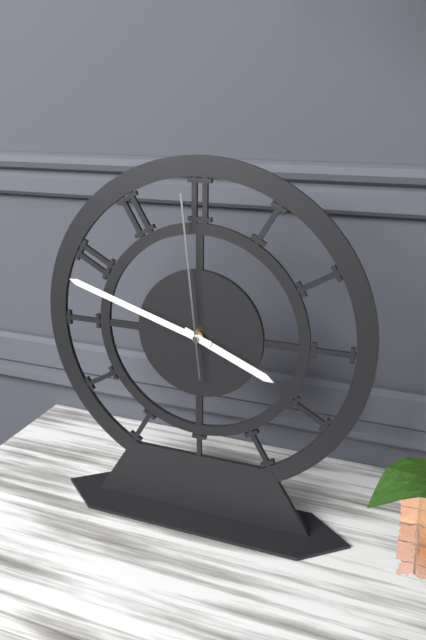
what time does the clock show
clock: 3:48:59
